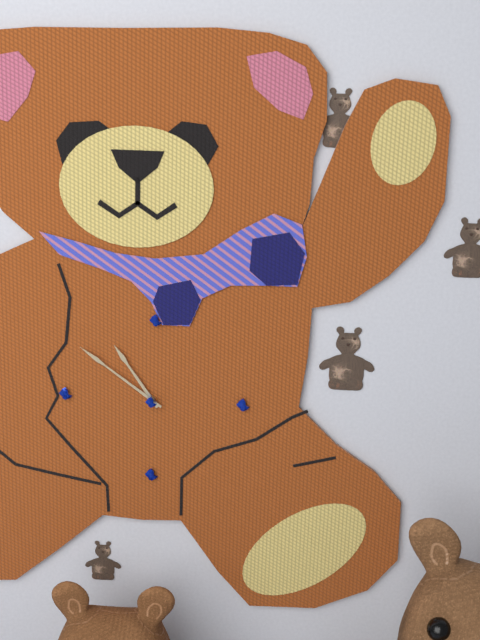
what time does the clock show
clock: 10:51
